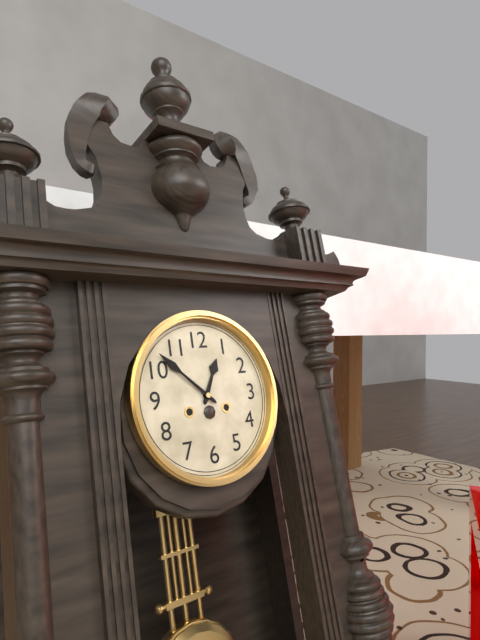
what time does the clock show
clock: 12:52
